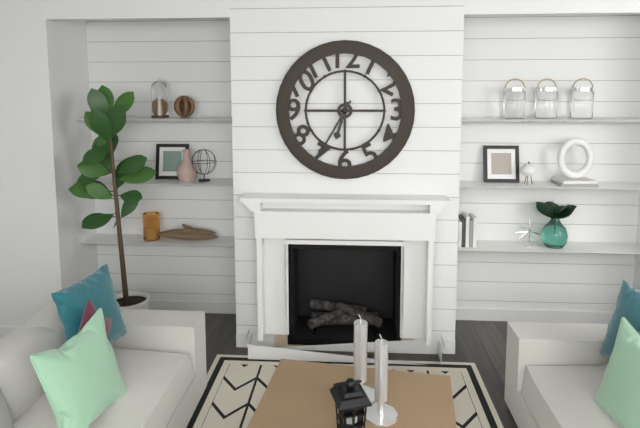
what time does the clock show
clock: 6:35
